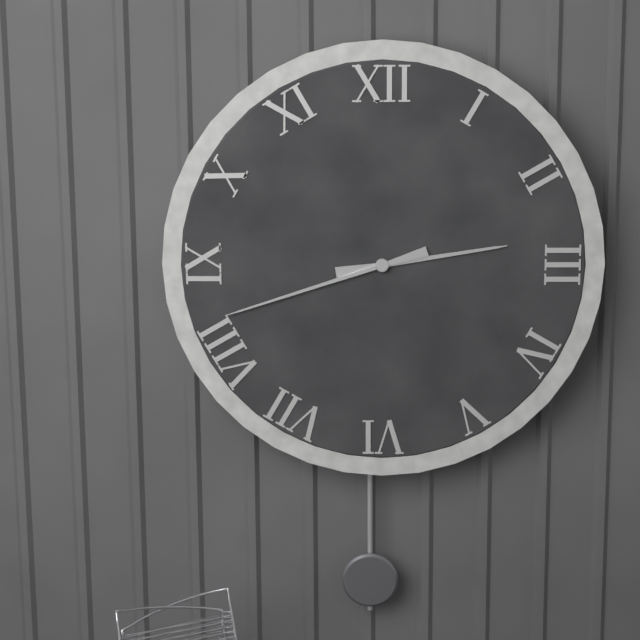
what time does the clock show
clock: 2:42
